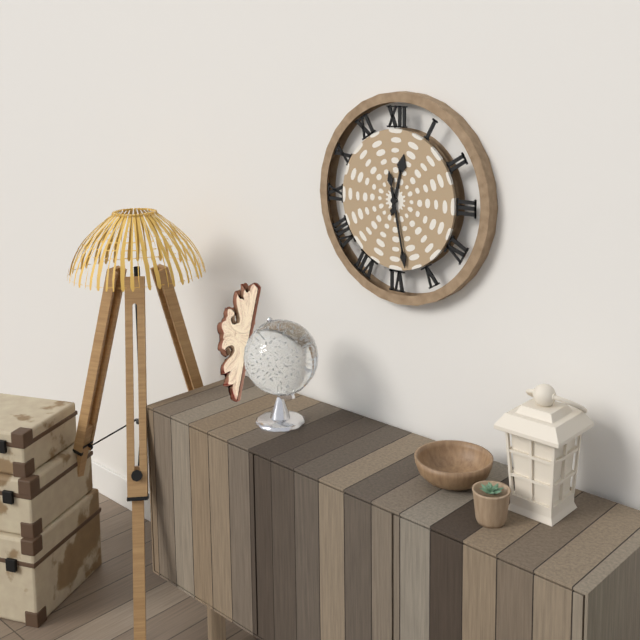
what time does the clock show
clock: 12:28
